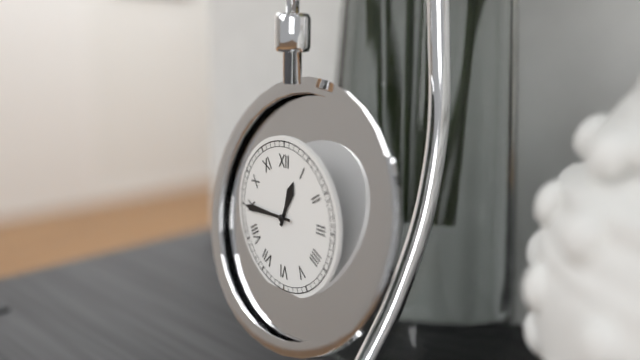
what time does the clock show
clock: 12:45
